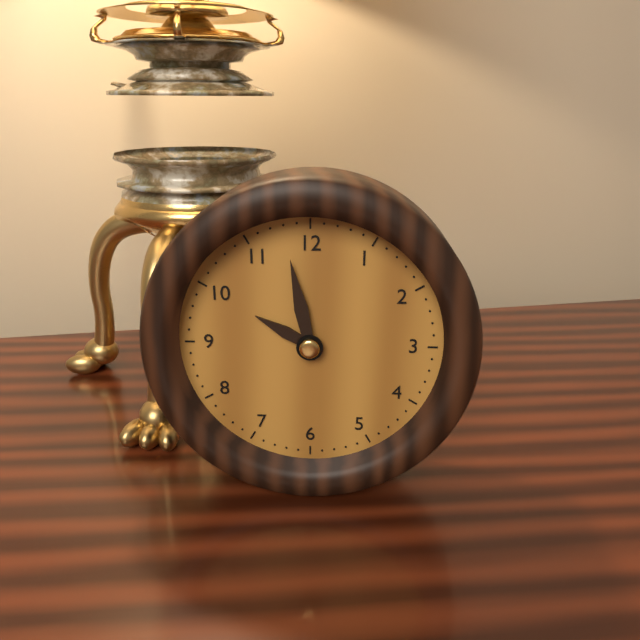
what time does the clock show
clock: 9:58
